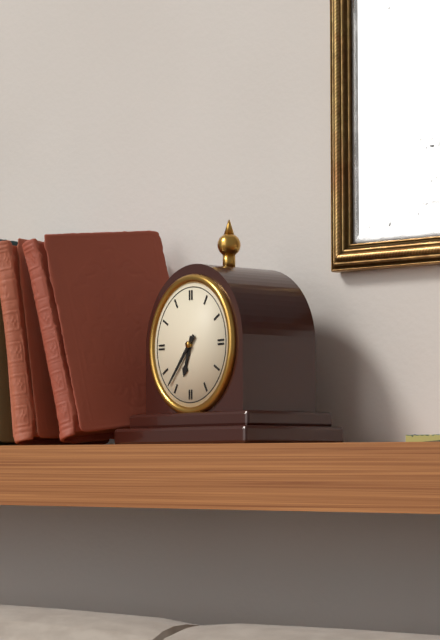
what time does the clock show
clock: 6:37
